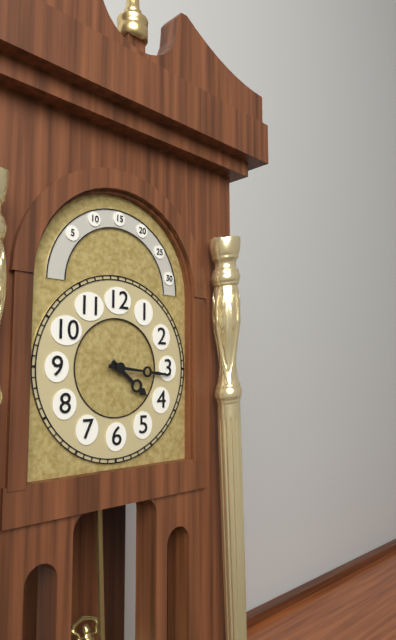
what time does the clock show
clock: 4:16
